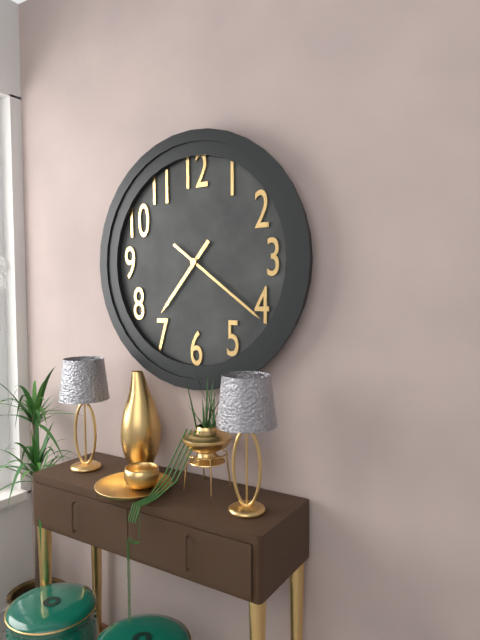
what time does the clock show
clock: 7:21
